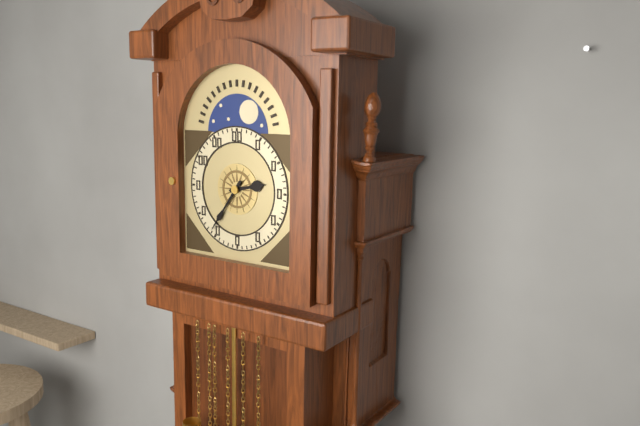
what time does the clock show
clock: 2:36
